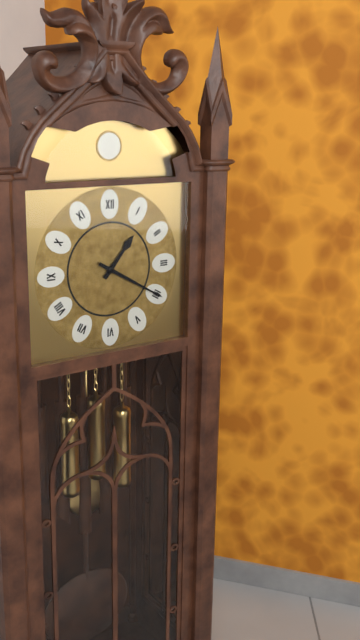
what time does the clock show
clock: 1:20
